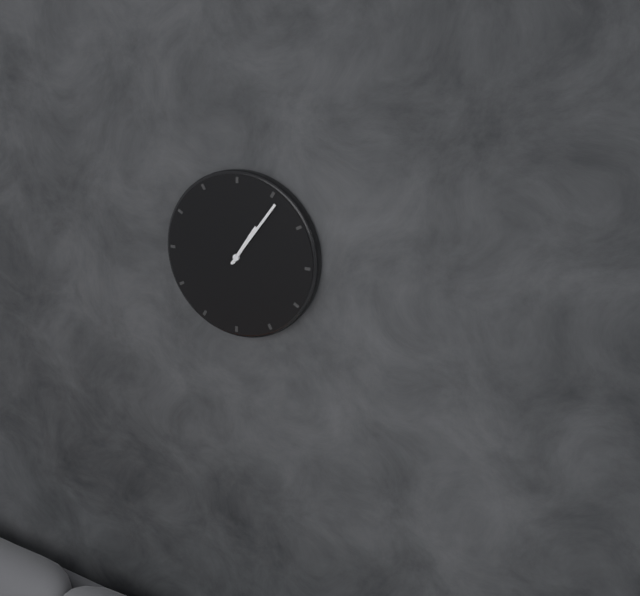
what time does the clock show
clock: 1:06
